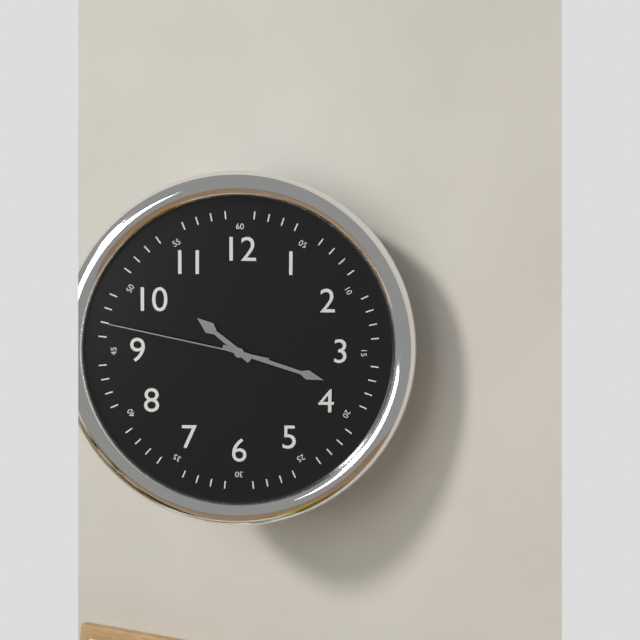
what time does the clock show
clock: 10:18:47
